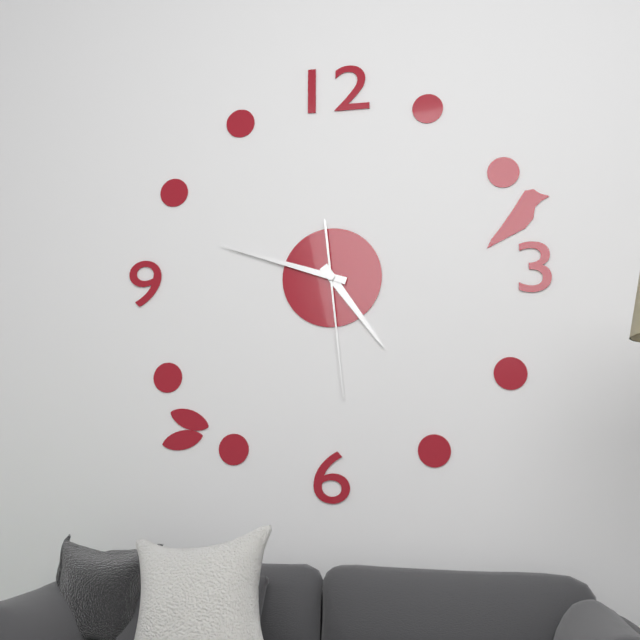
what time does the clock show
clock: 4:48:29
